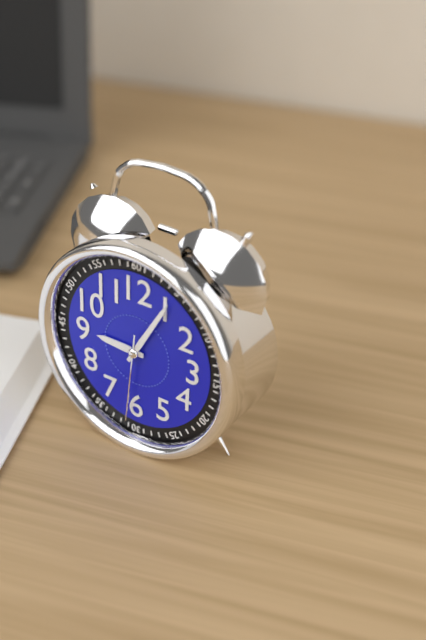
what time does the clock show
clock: 9:05:31
